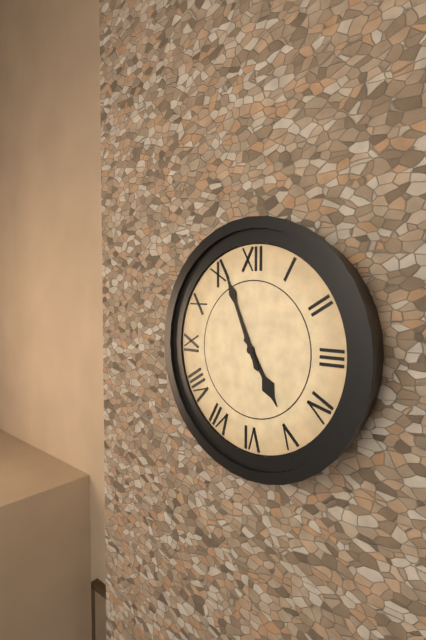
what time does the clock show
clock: 4:56
